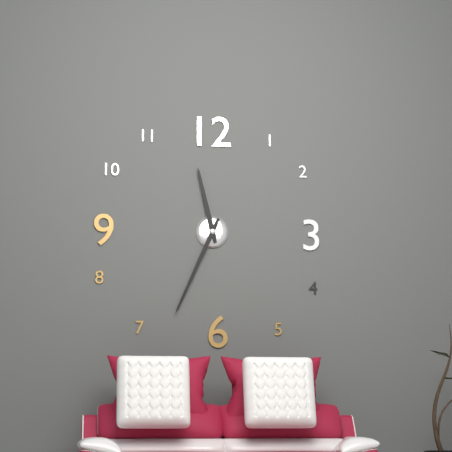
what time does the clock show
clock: 11:34
